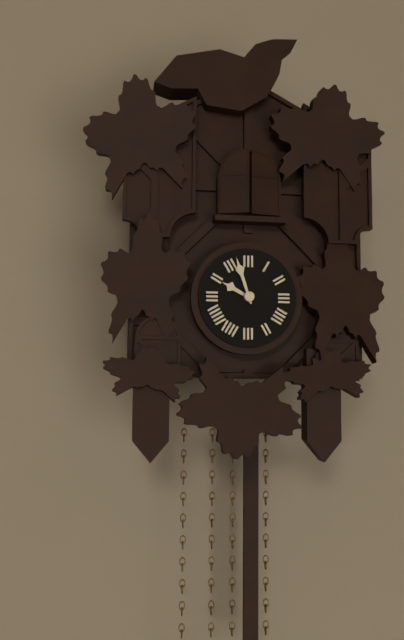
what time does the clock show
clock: 9:57
